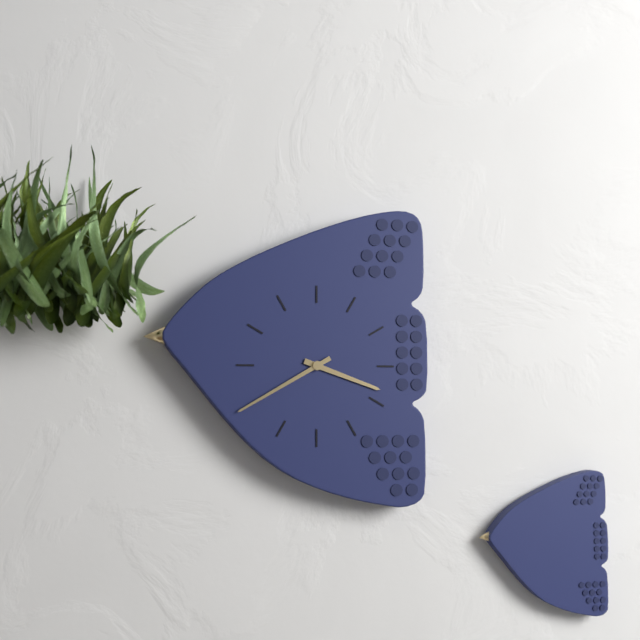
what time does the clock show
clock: 3:40
